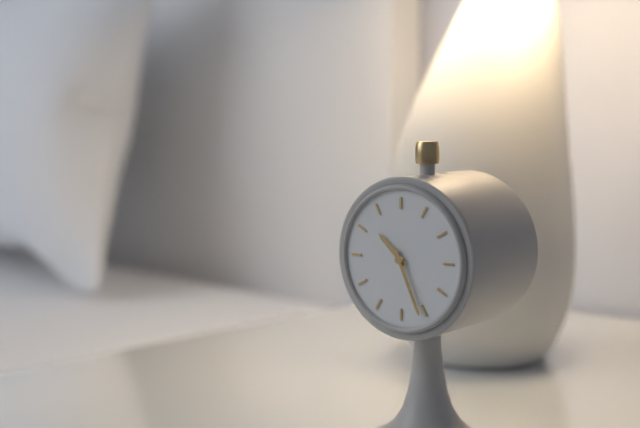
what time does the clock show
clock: 10:26
